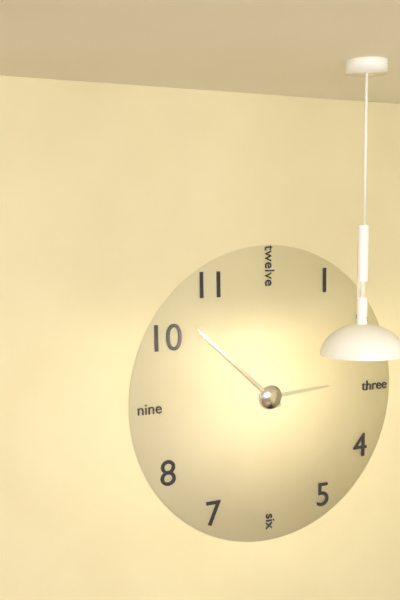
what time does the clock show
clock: 2:52
